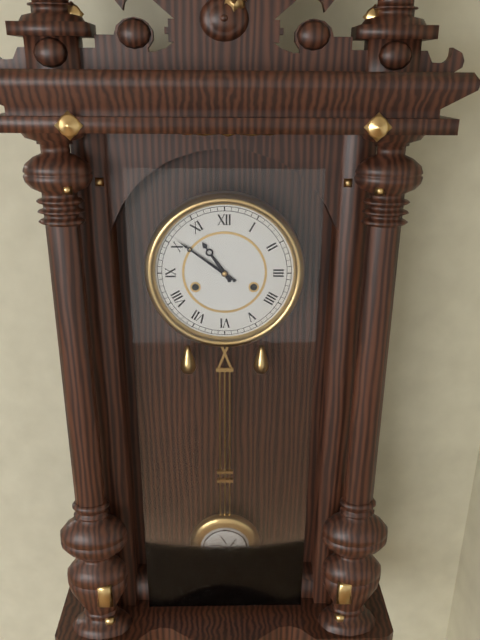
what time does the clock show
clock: 10:51
